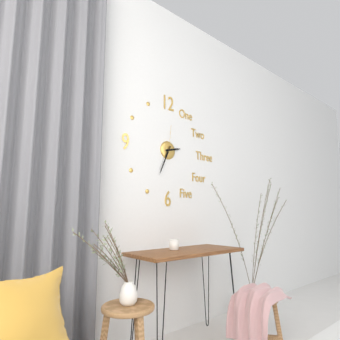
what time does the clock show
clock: 2:34
